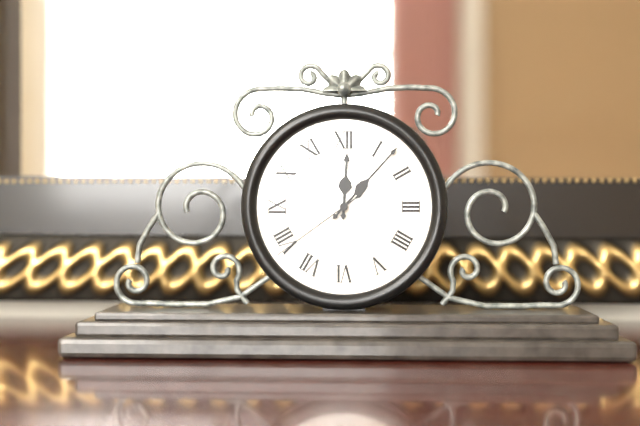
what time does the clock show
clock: 12:07:39
